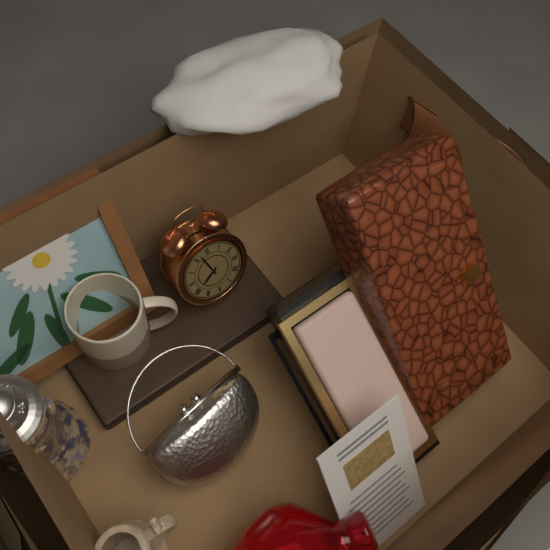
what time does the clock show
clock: 7:57
